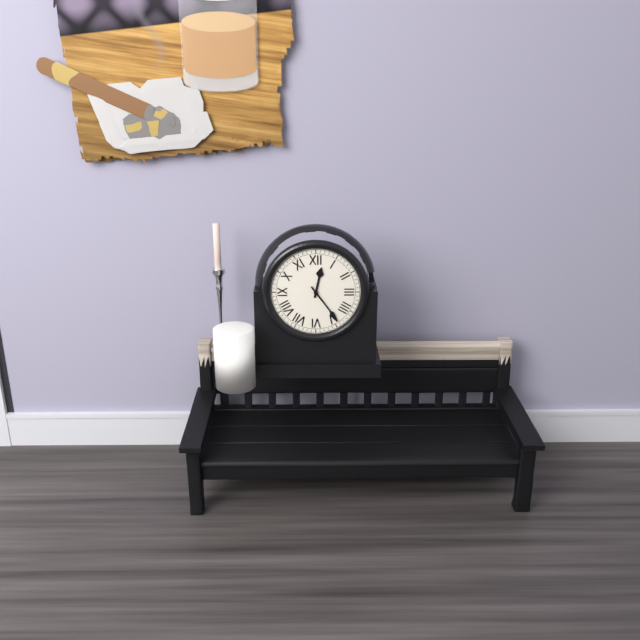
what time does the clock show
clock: 12:24
